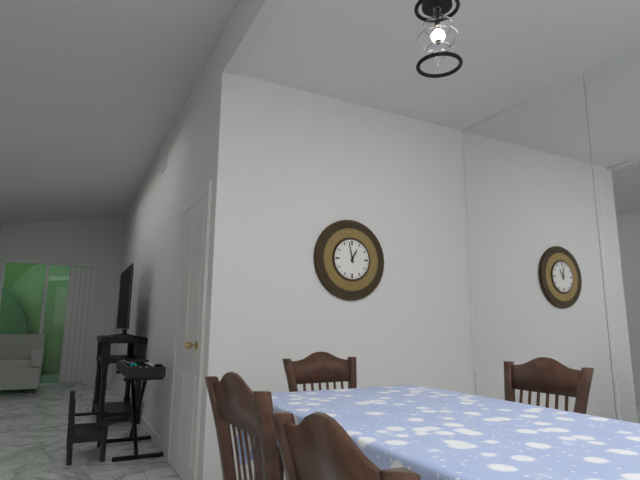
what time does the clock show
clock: 12:58
